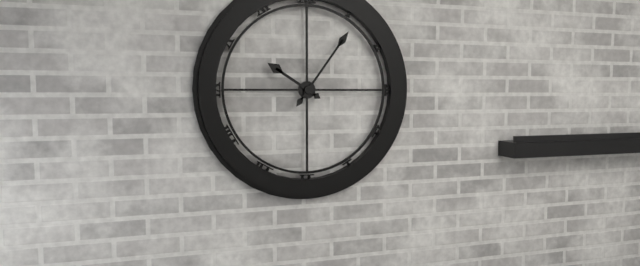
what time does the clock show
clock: 10:06
